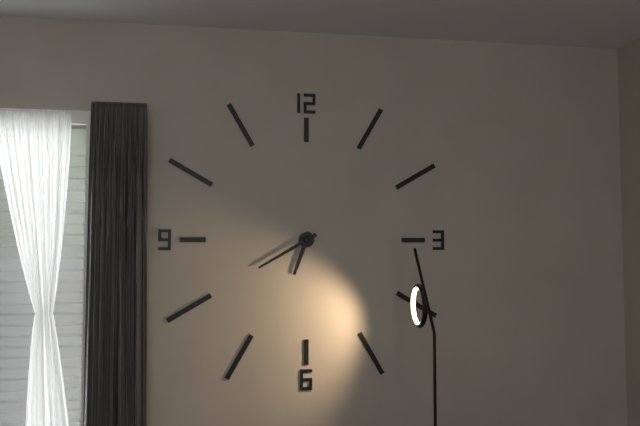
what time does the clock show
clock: 6:40
